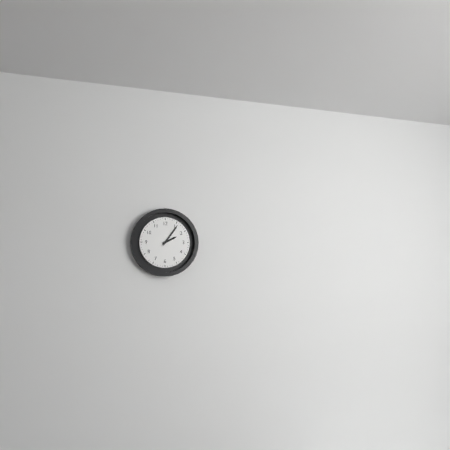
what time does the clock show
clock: 2:06
